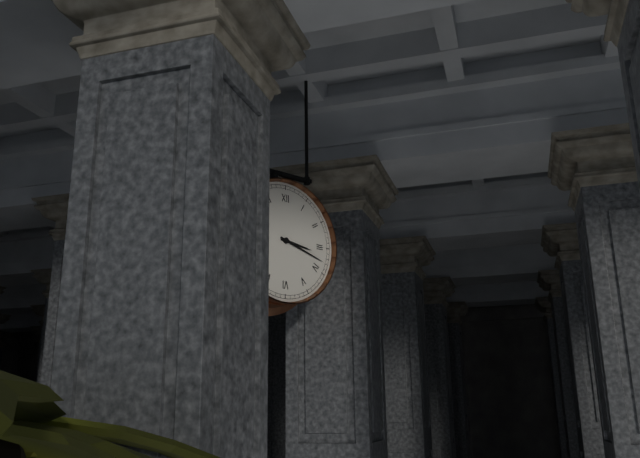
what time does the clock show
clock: 3:18
